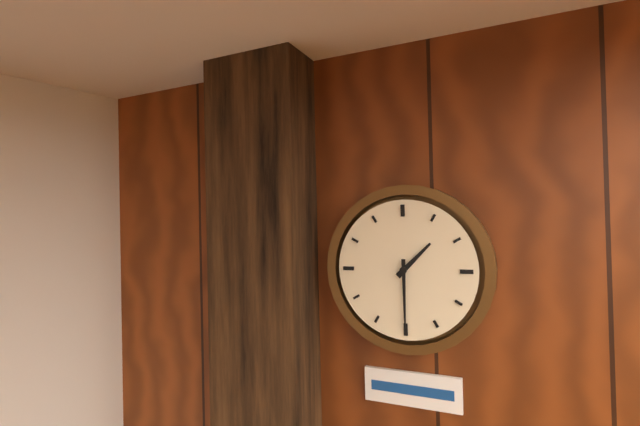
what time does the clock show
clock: 1:30
